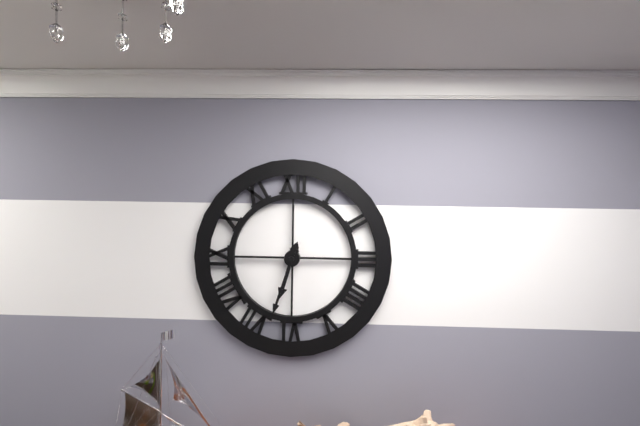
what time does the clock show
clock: 6:33
